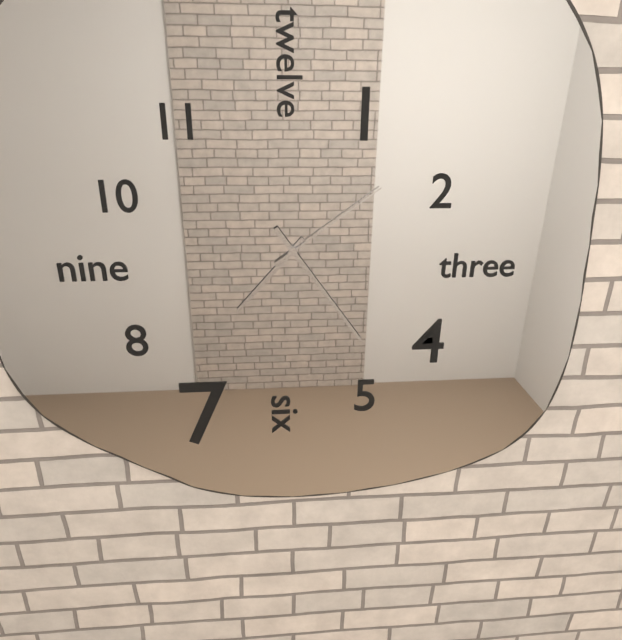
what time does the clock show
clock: 7:24:09
